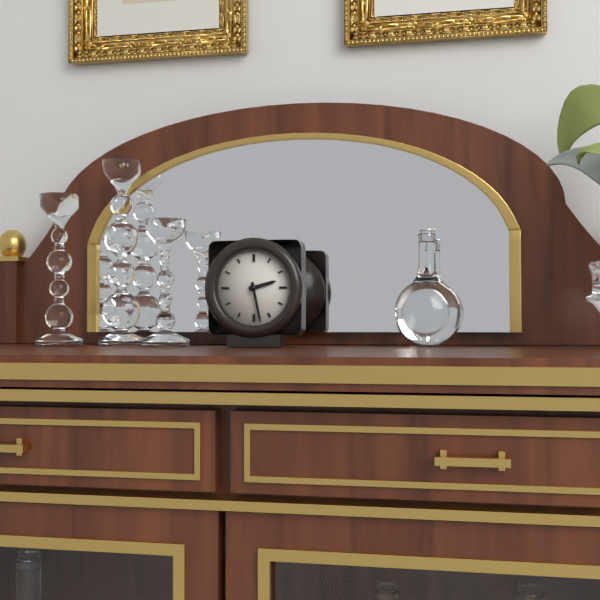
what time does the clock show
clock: 2:28
